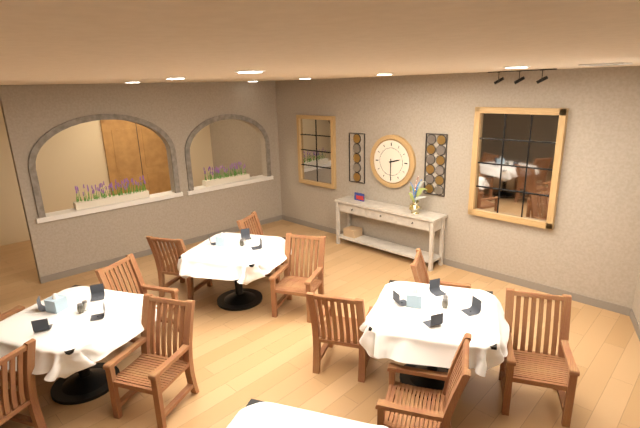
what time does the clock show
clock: 2:30
